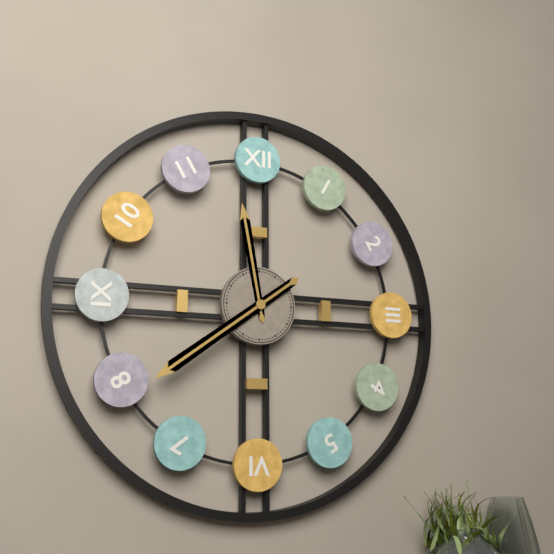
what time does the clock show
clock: 11:39
